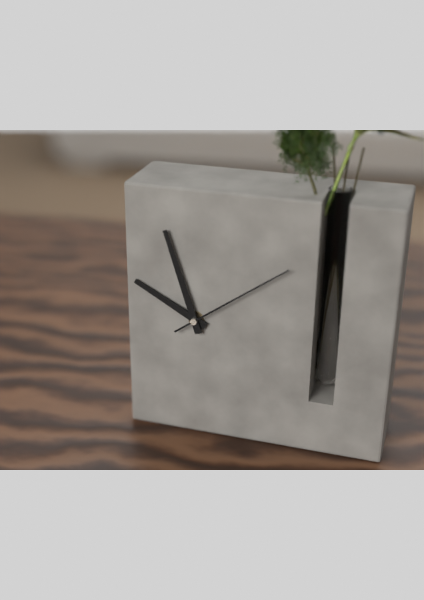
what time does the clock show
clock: 9:57:09
